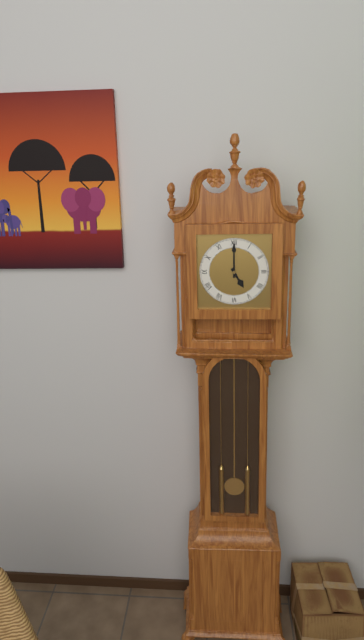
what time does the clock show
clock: 5:00
